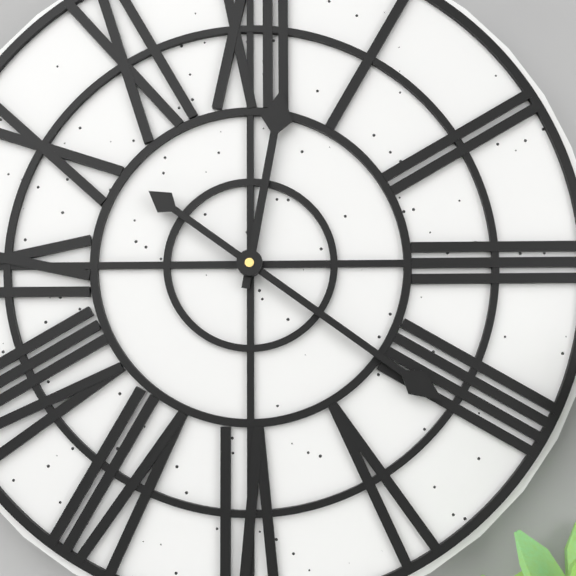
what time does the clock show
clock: 12:21
